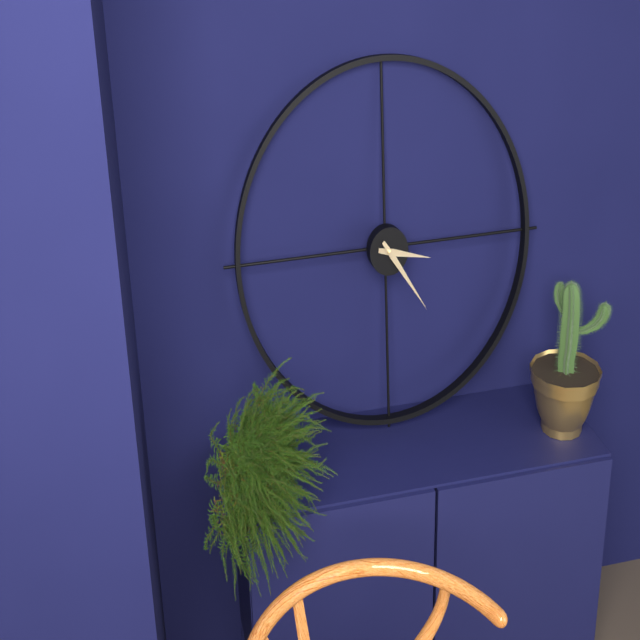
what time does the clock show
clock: 3:24
